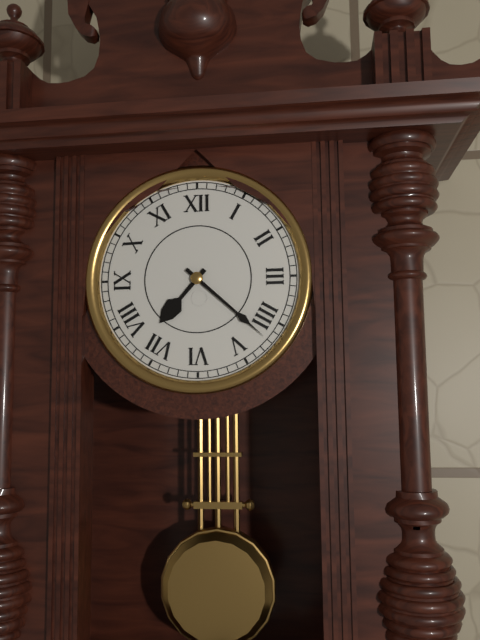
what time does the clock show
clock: 7:22
